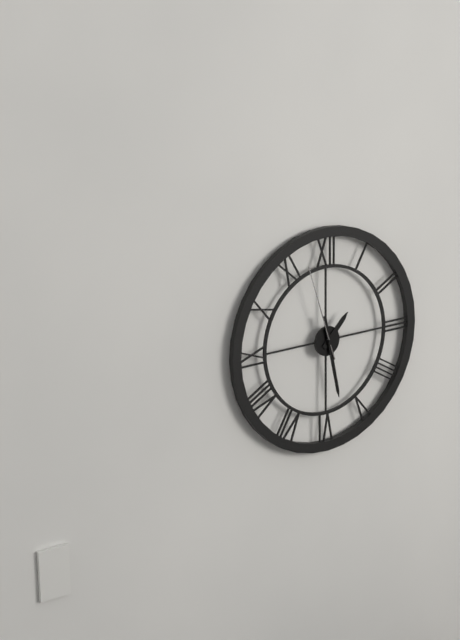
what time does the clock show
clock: 1:28:57
